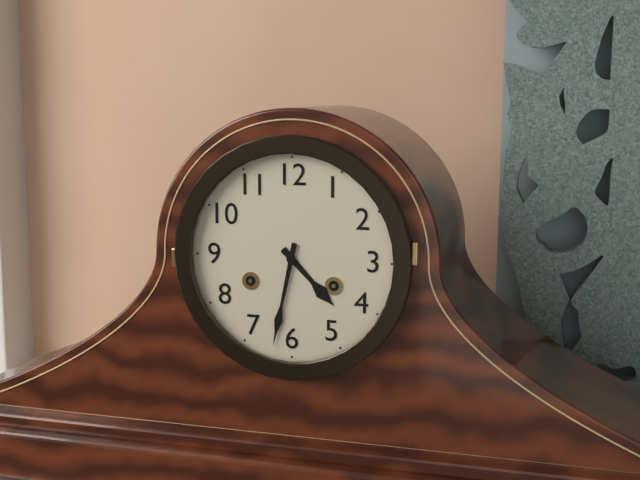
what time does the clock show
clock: 4:32
